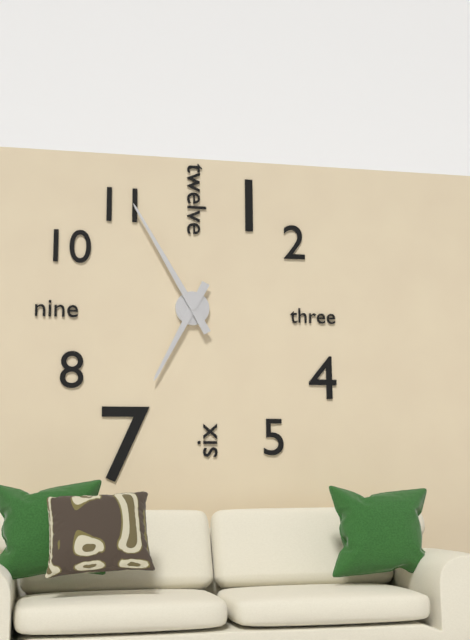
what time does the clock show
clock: 6:55
